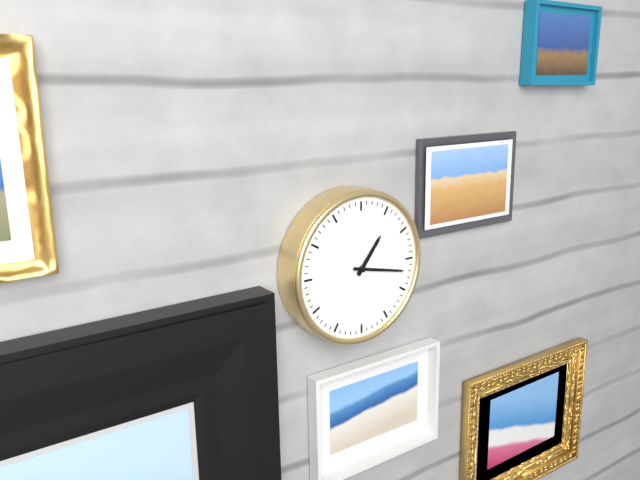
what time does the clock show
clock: 1:17
